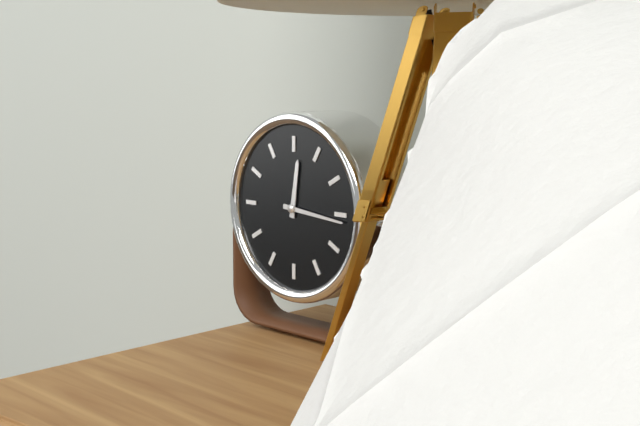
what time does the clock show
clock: 12:16
